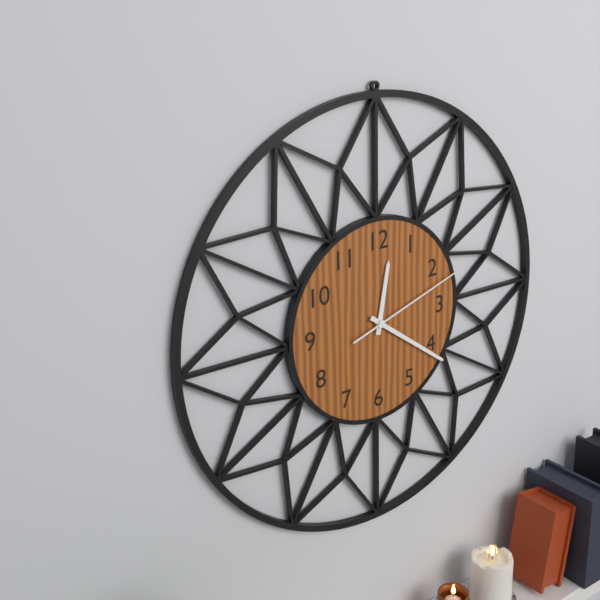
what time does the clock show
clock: 12:21:12
